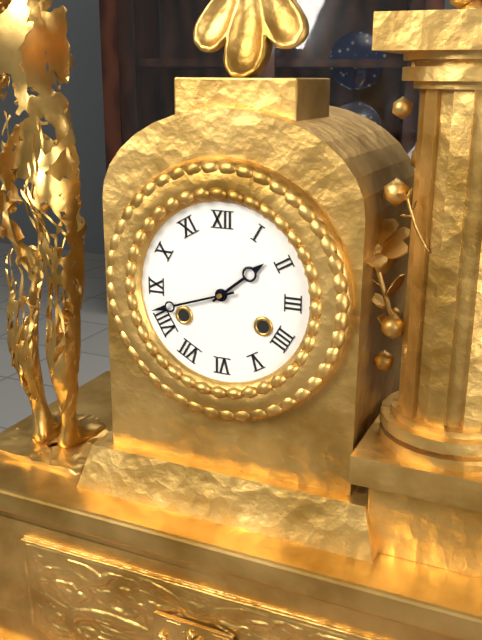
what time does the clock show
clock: 1:42
